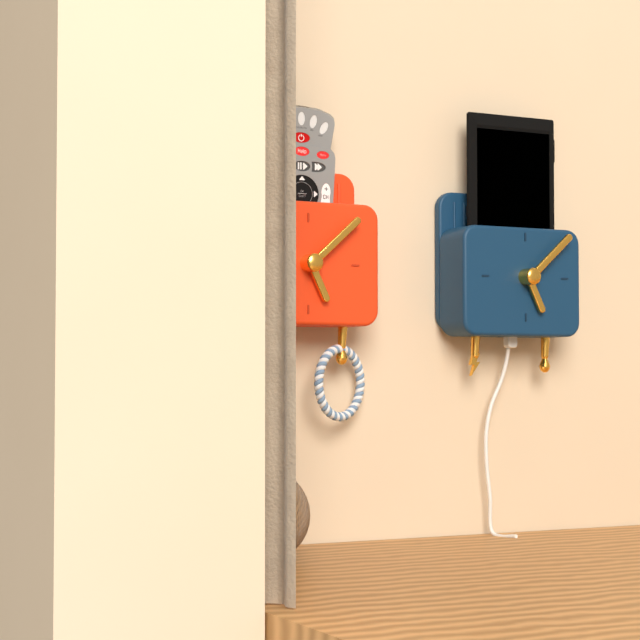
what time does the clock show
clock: 5:08
